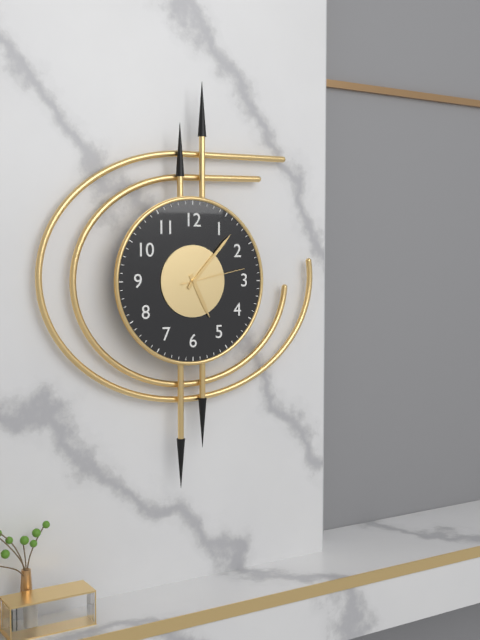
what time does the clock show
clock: 5:07:13
